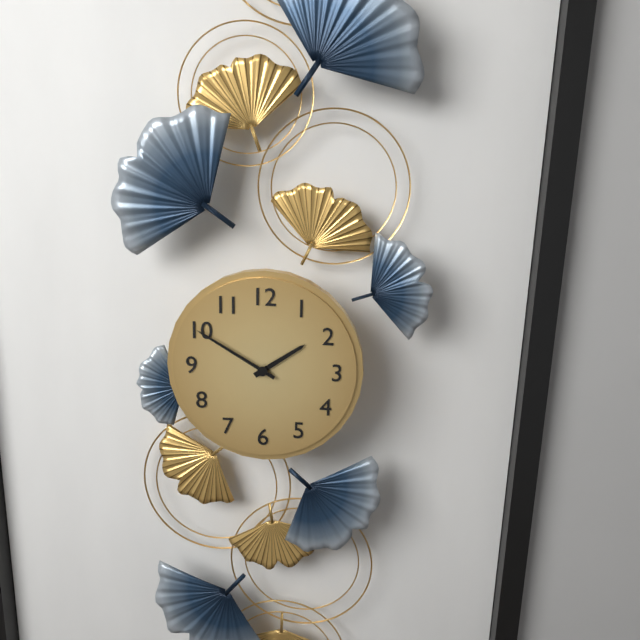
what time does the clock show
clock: 1:50
